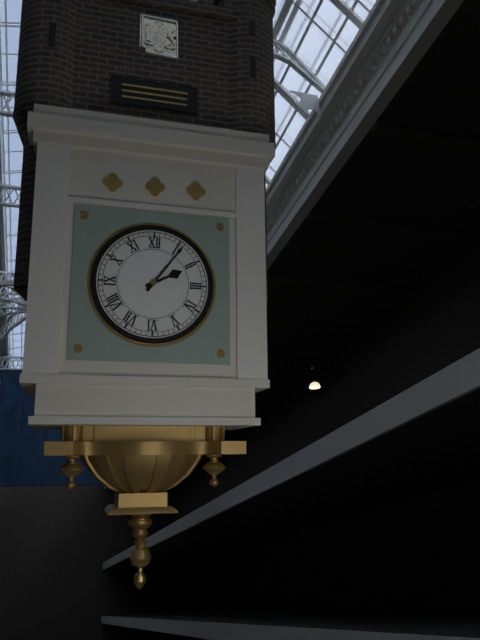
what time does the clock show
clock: 2:06
